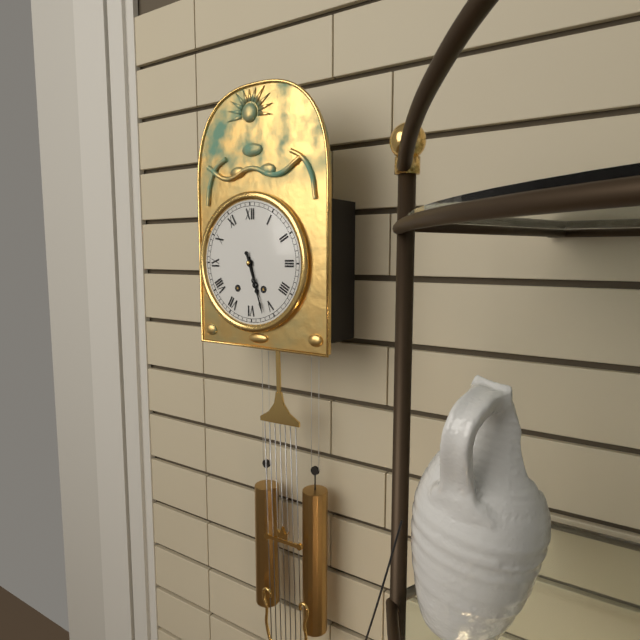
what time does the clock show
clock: 5:27
